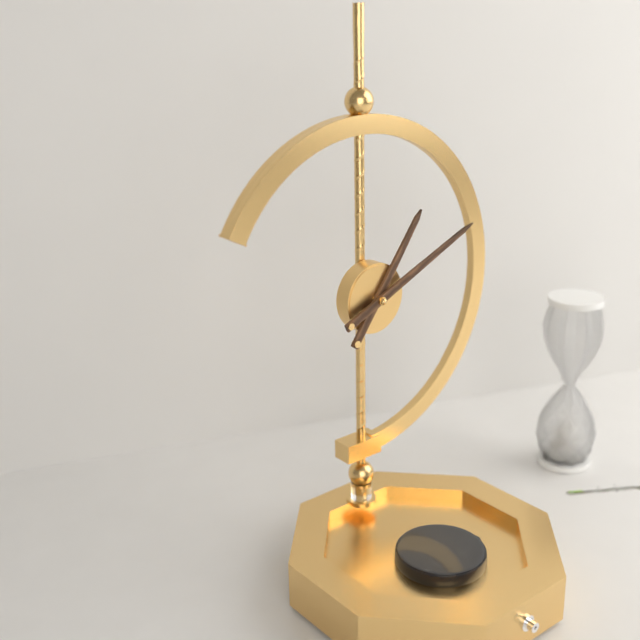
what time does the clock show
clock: 1:11
